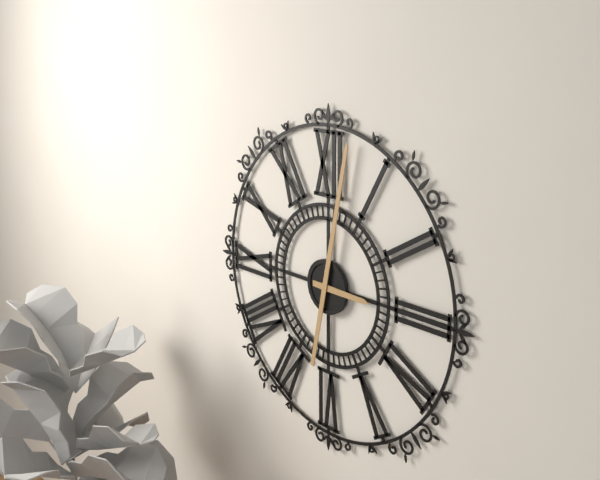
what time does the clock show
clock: 3:02
